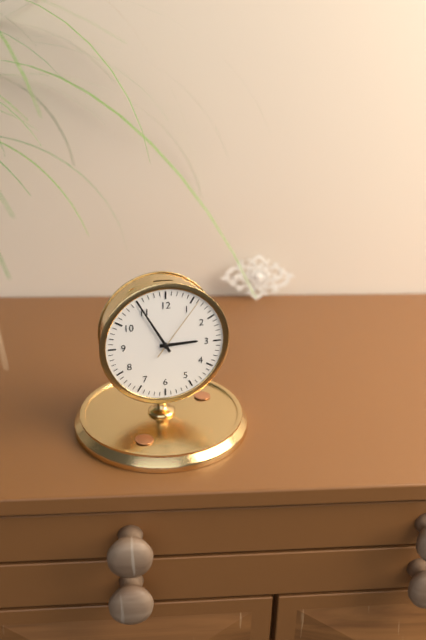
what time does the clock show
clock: 2:55:06
